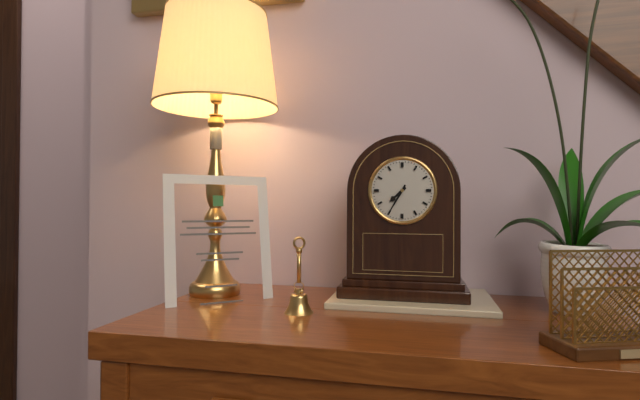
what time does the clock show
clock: 7:35
